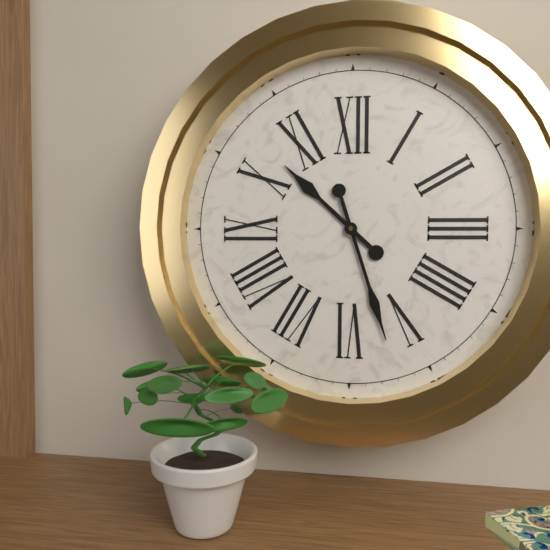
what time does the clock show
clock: 10:27
